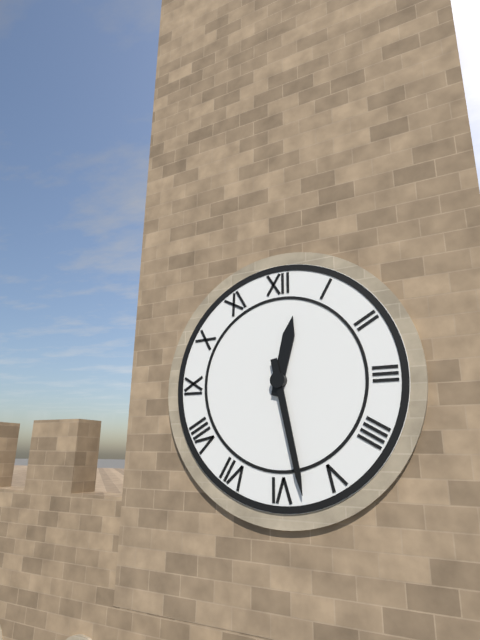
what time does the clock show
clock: 12:28
